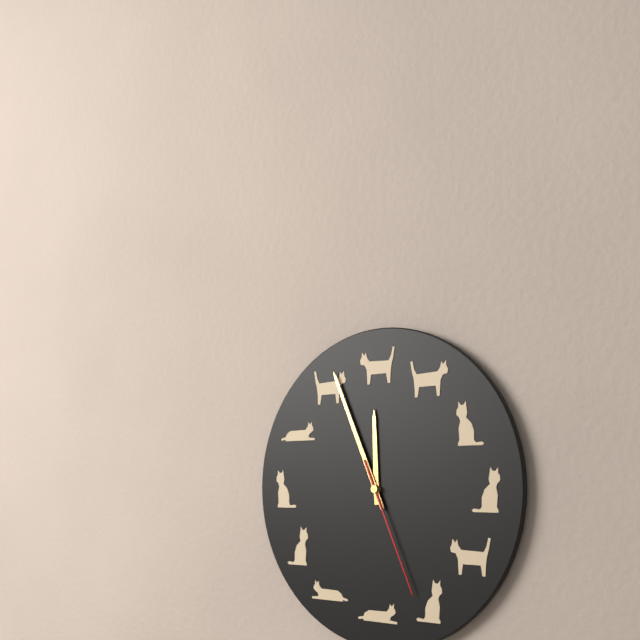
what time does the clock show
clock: 11:56:26
